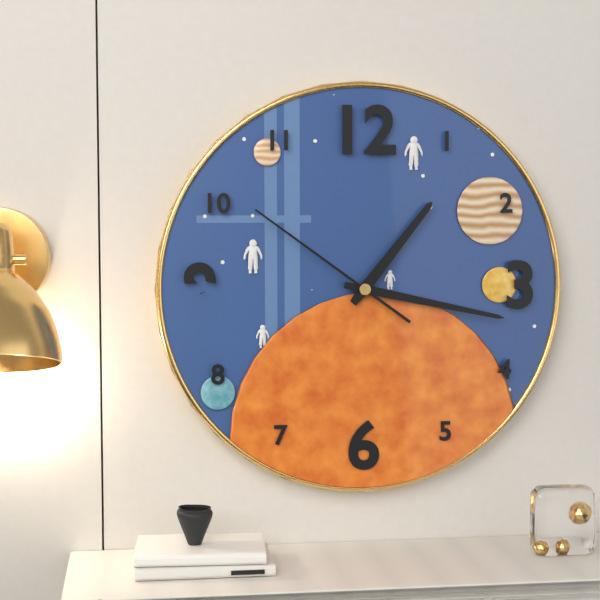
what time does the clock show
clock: 1:17:51
